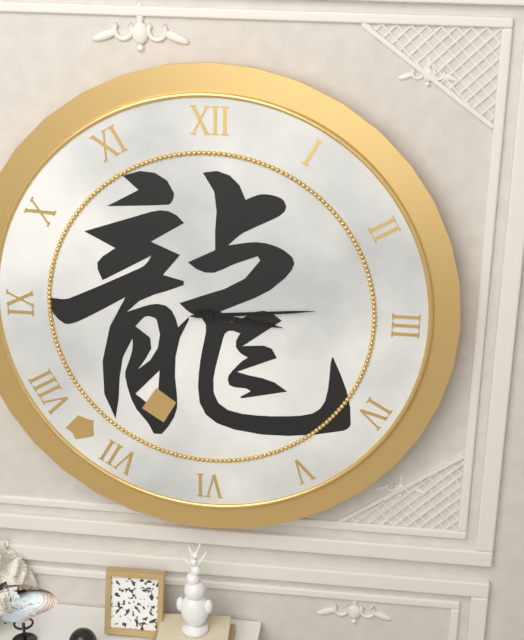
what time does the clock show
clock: 3:14
